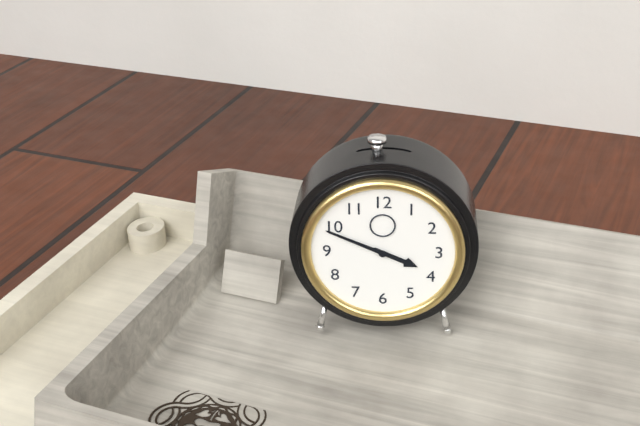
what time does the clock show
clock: 3:49
